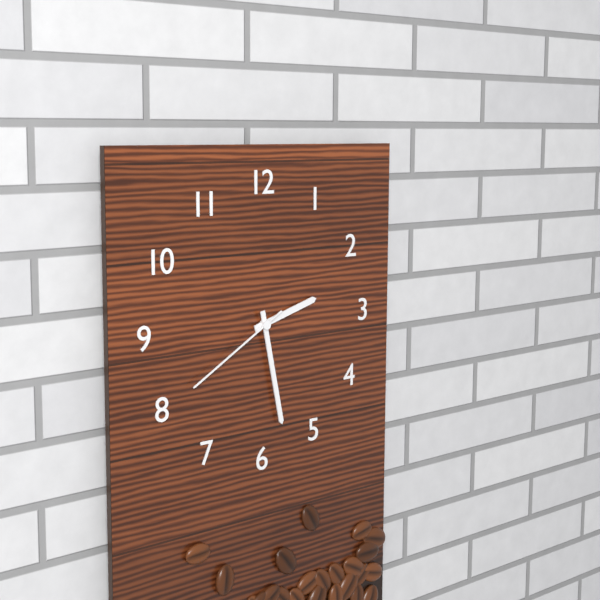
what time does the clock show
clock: 2:28:40
